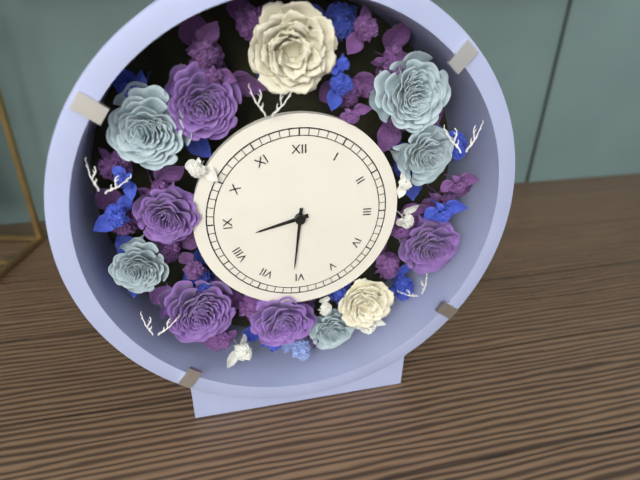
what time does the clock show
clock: 8:31
